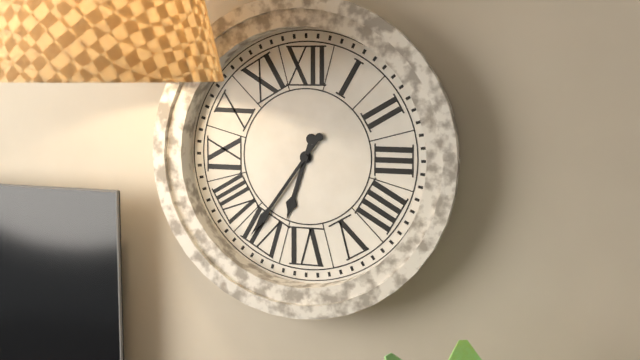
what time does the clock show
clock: 6:36
